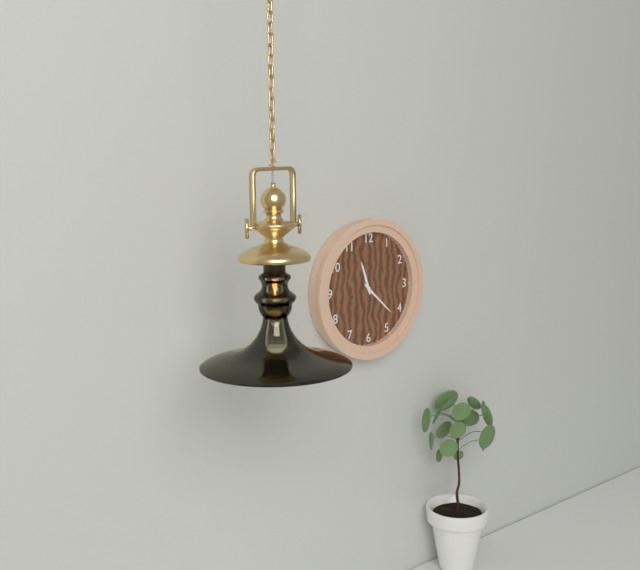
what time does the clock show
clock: 11:22
